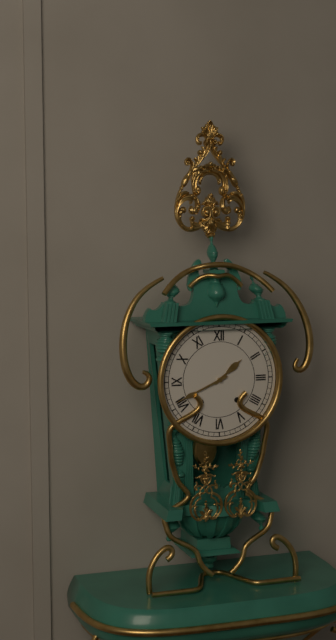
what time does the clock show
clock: 1:41
